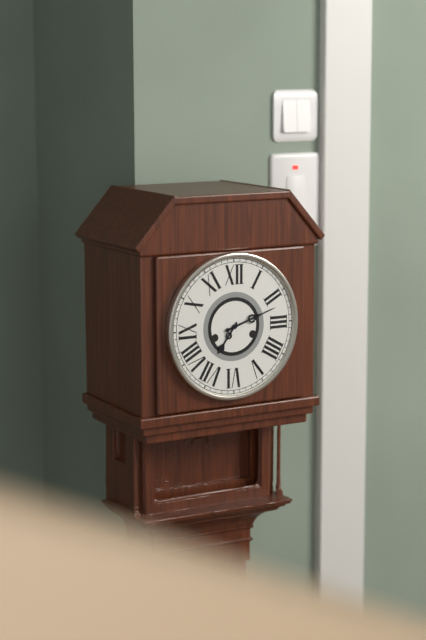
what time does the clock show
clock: 7:12
